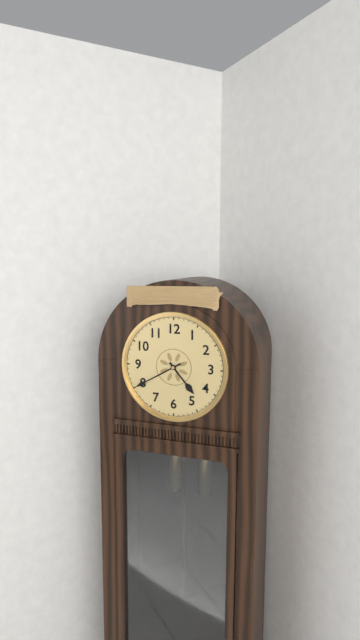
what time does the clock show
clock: 4:40
